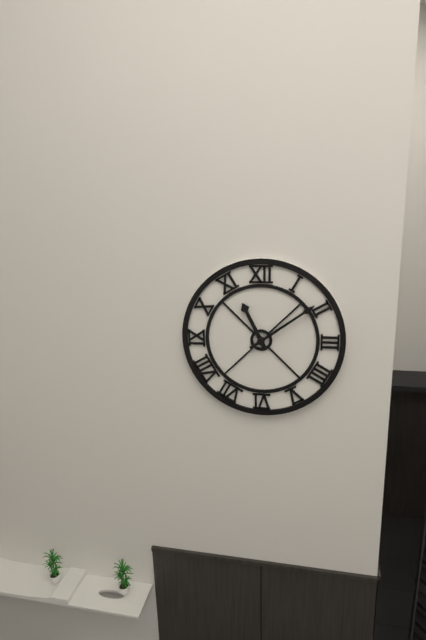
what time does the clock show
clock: 11:09
